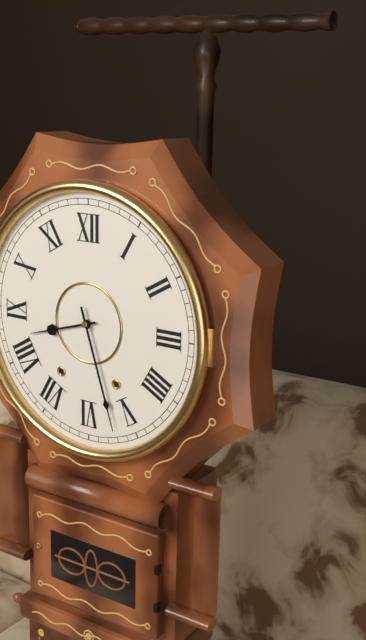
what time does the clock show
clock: 8:27
